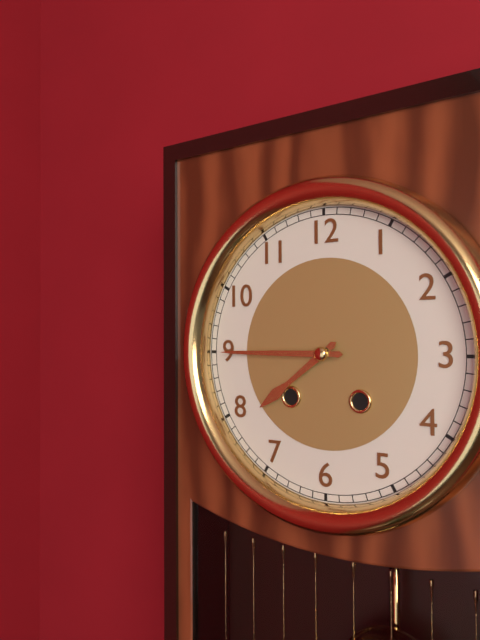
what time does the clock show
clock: 7:45
